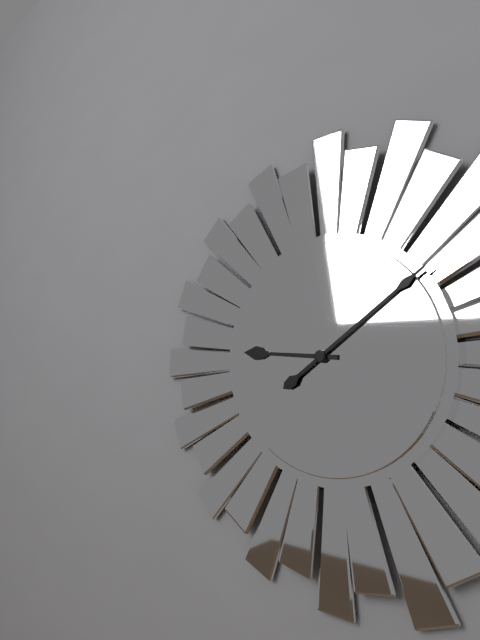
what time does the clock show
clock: 9:09
